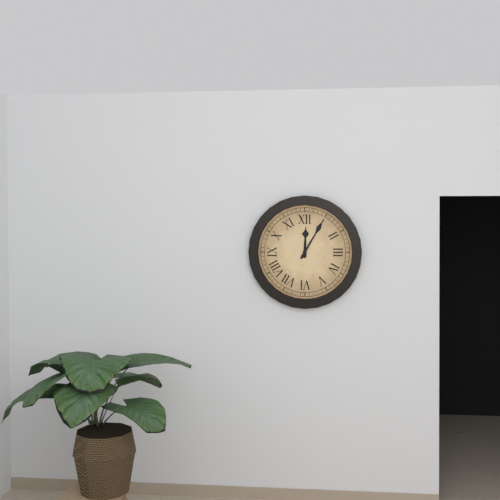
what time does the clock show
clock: 12:05
